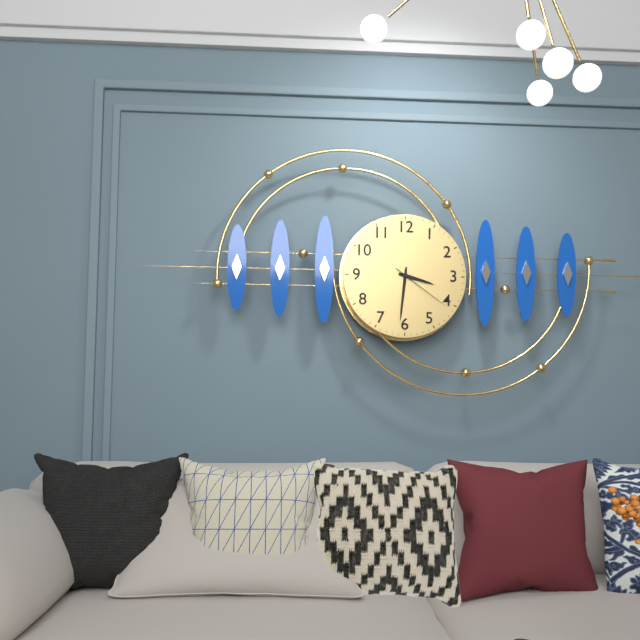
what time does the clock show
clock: 3:31:21
